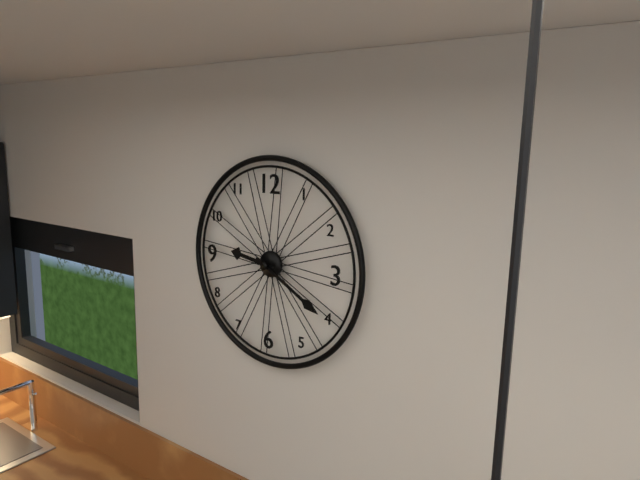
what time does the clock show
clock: 9:20
